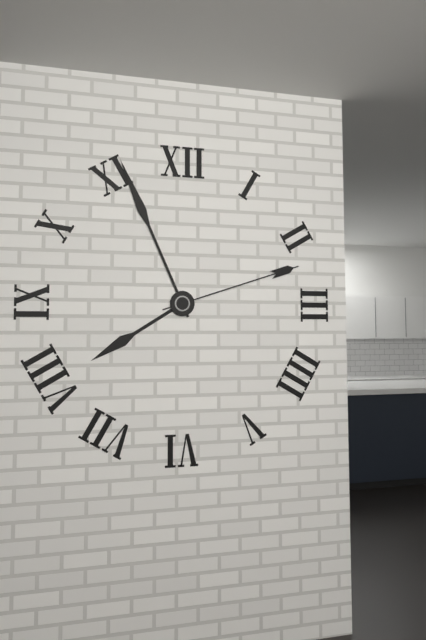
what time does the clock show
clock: 7:56:12
